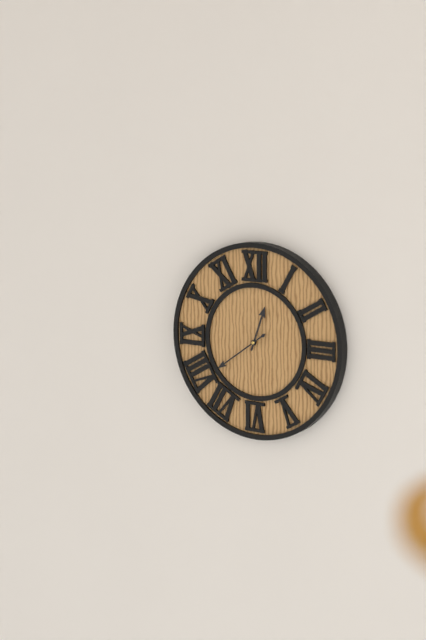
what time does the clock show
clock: 12:39
